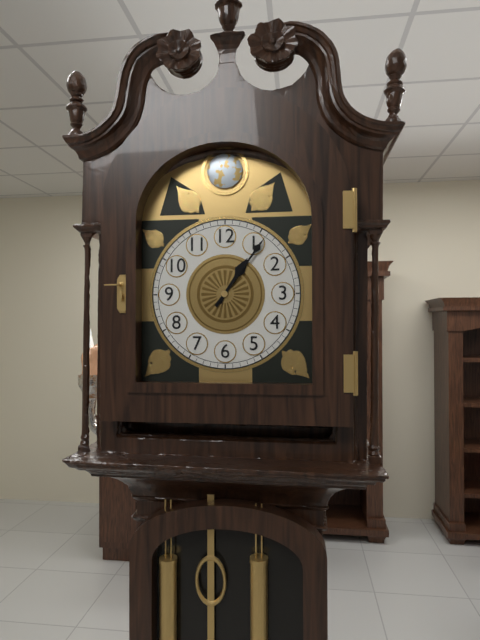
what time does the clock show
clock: 1:06
